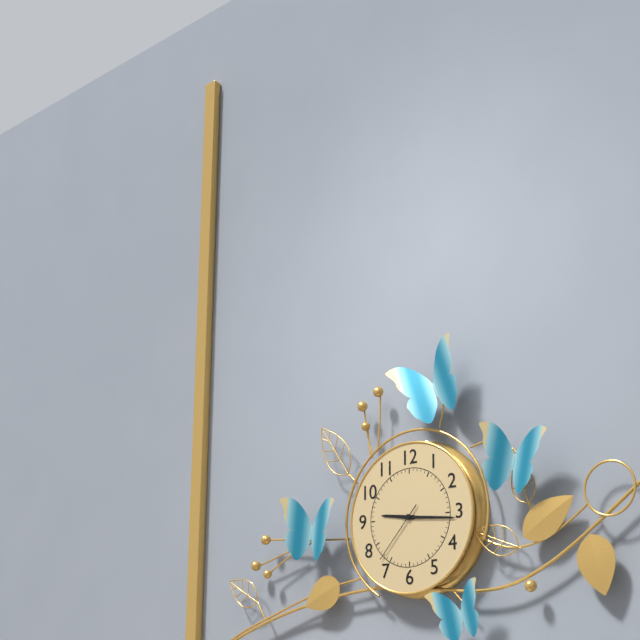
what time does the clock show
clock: 9:16:37
